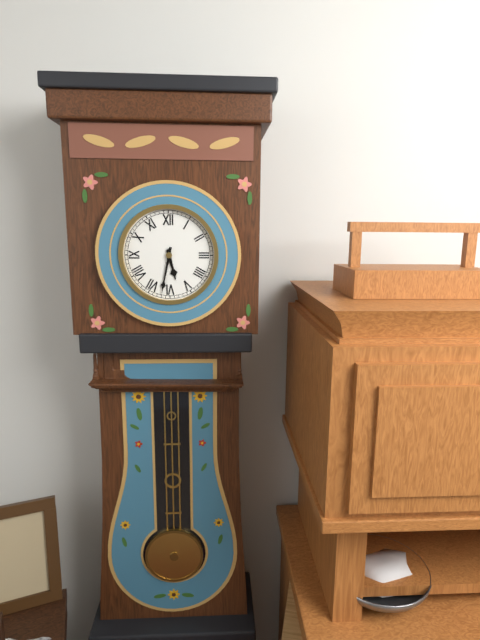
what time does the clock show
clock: 5:32
